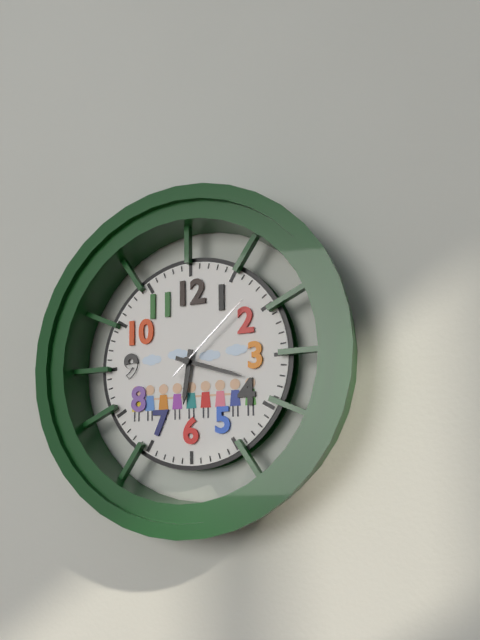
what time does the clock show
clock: 6:18:08
